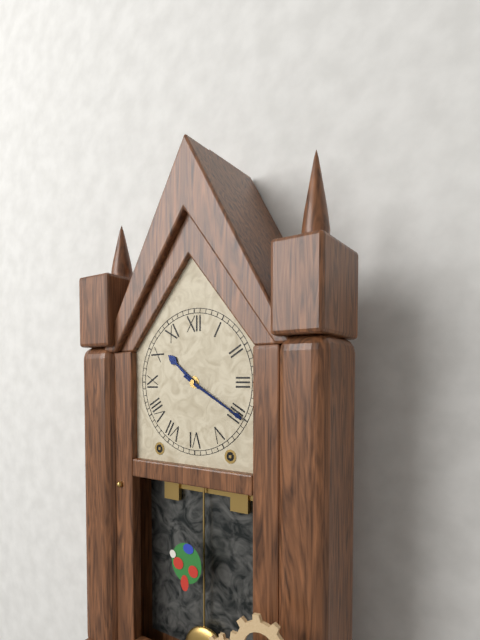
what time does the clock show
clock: 10:20
